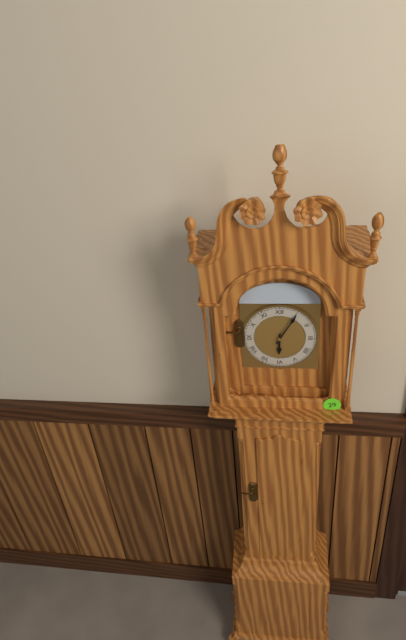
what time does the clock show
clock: 6:05
